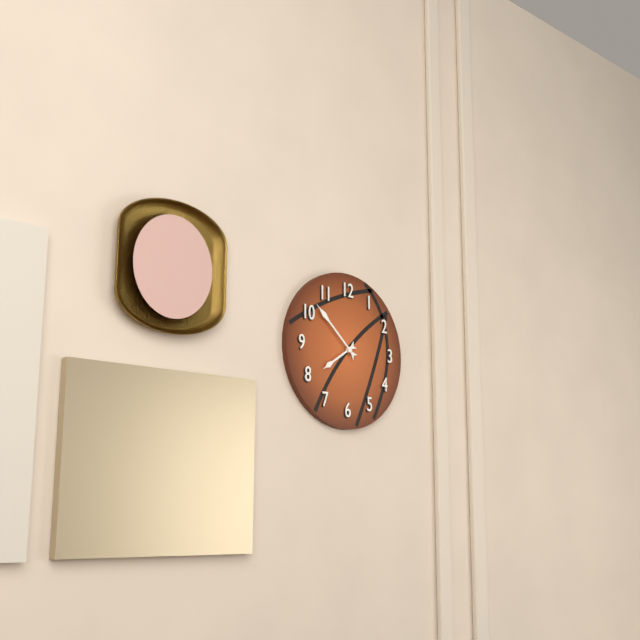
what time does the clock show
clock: 7:52
